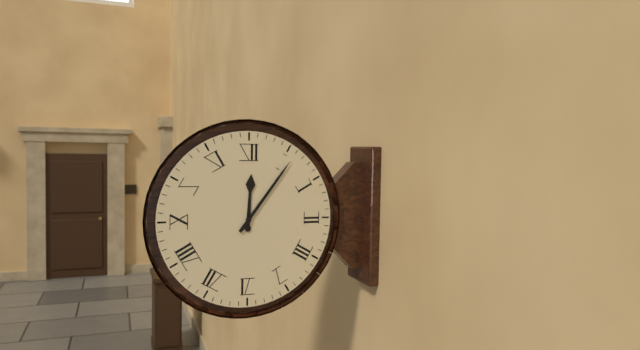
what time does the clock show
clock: 12:06
